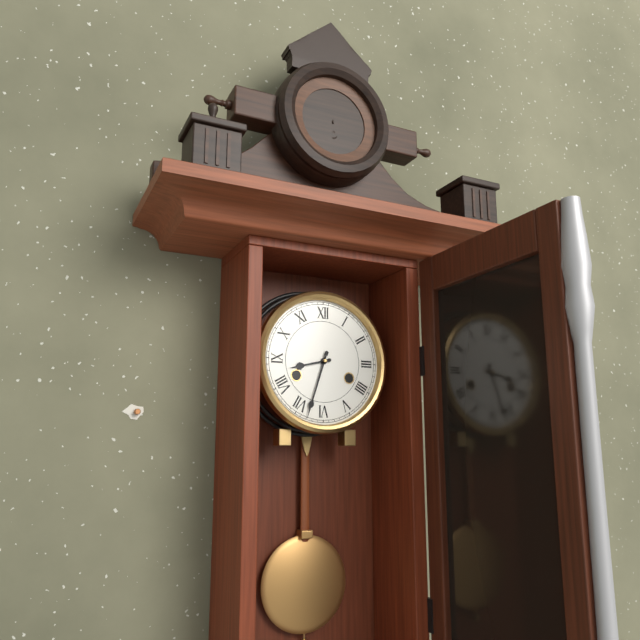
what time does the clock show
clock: 8:33
